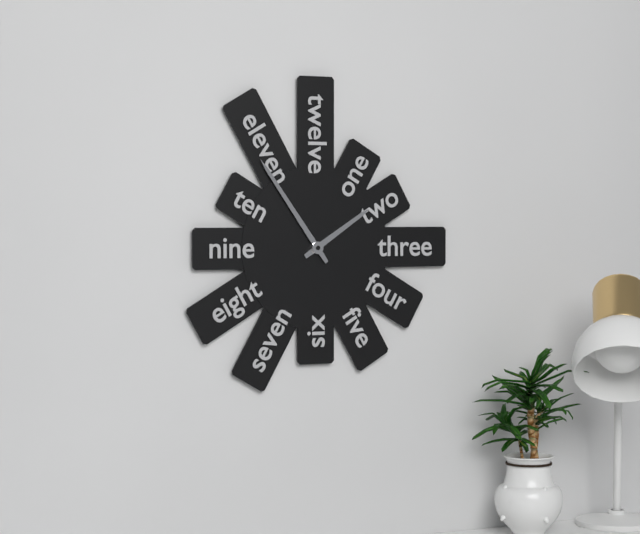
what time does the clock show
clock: 1:54
